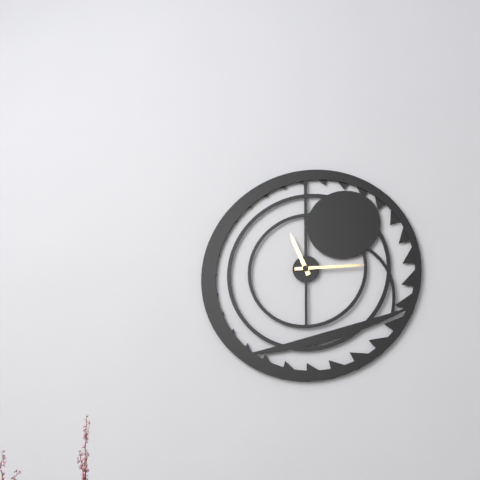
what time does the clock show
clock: 11:15
